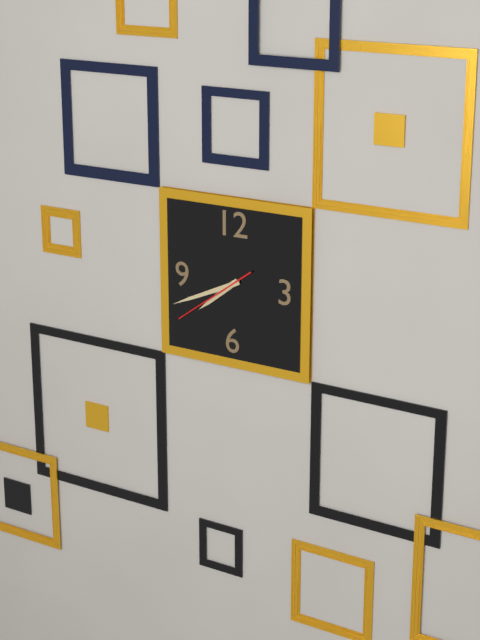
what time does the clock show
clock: 7:41:39
